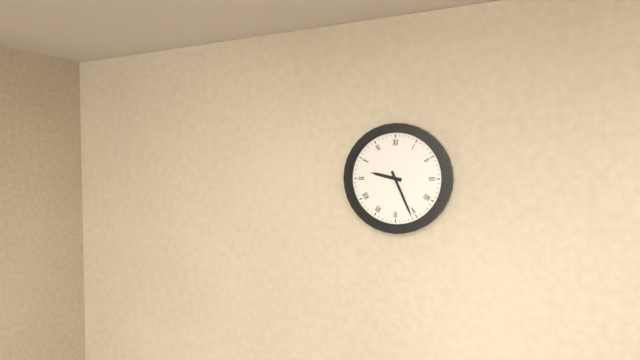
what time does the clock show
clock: 9:26
